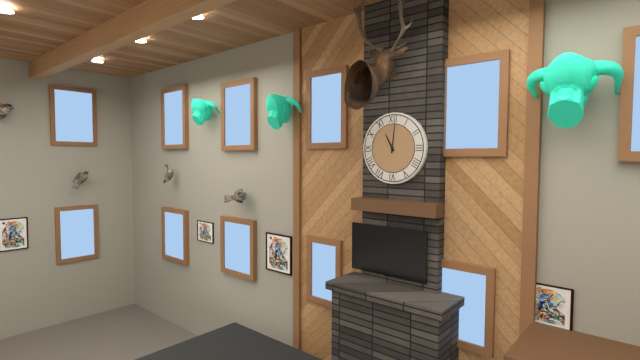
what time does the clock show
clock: 11:01
